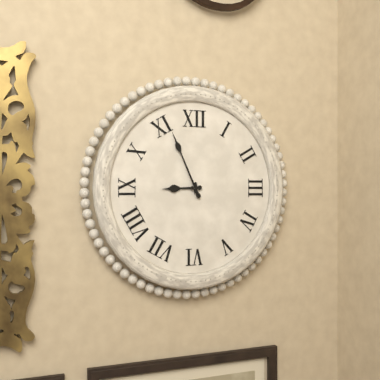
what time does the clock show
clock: 8:56
